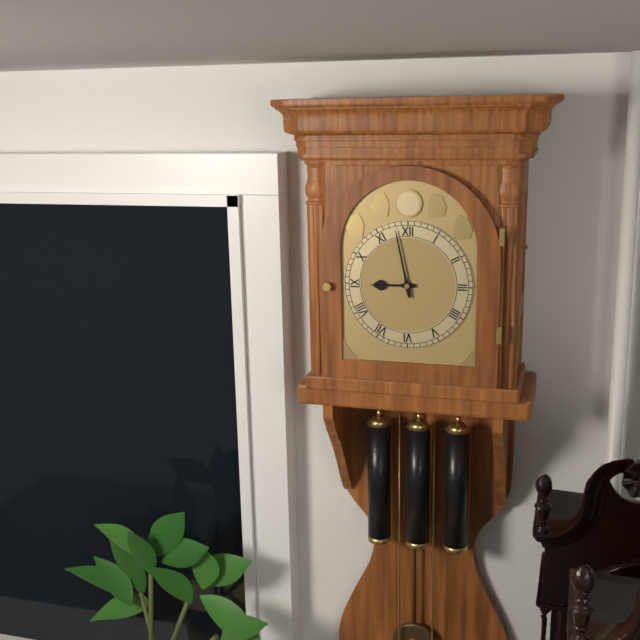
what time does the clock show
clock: 8:58
